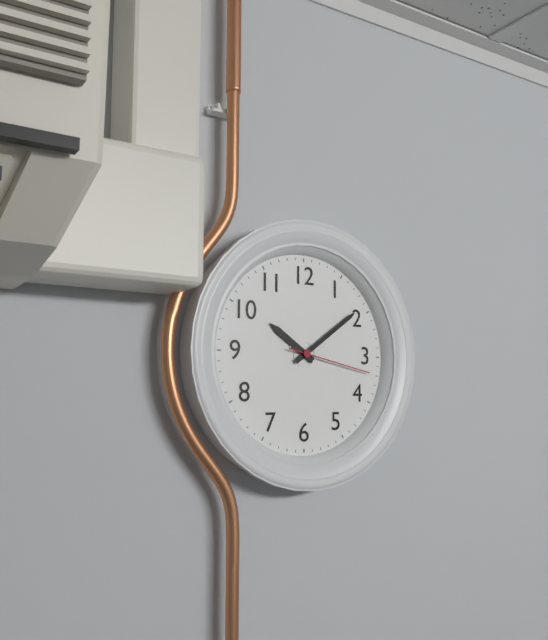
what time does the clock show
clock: 10:09:17
